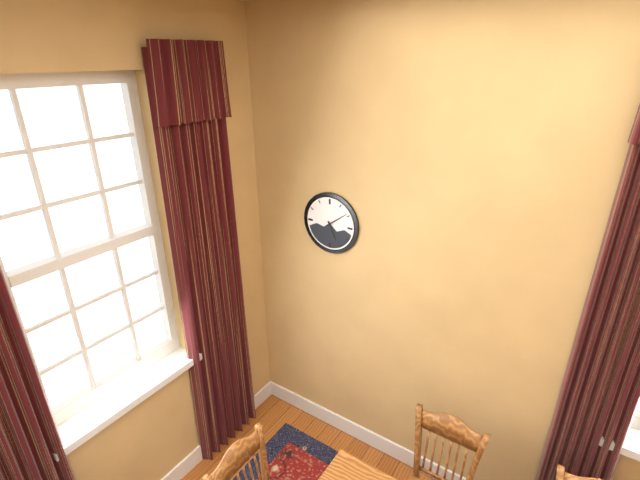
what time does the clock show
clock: 5:09
